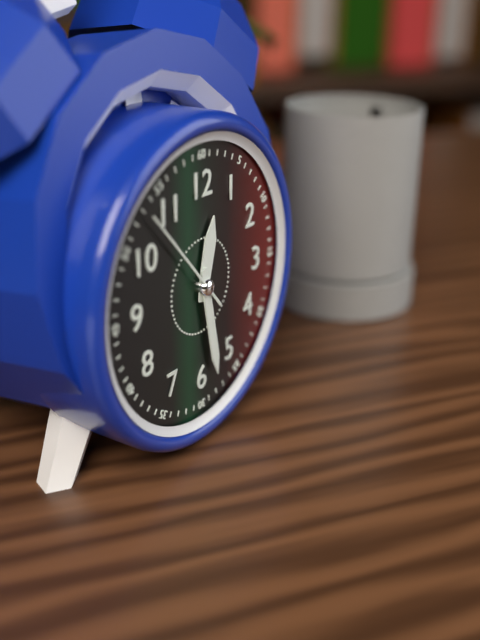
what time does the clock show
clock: 12:28:53
